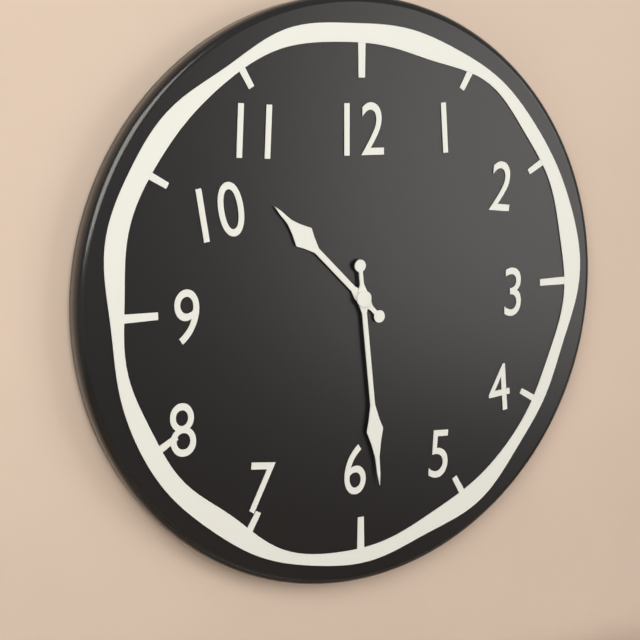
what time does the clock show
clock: 10:29
